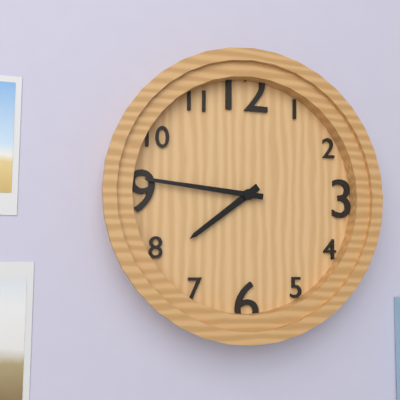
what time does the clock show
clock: 7:46
